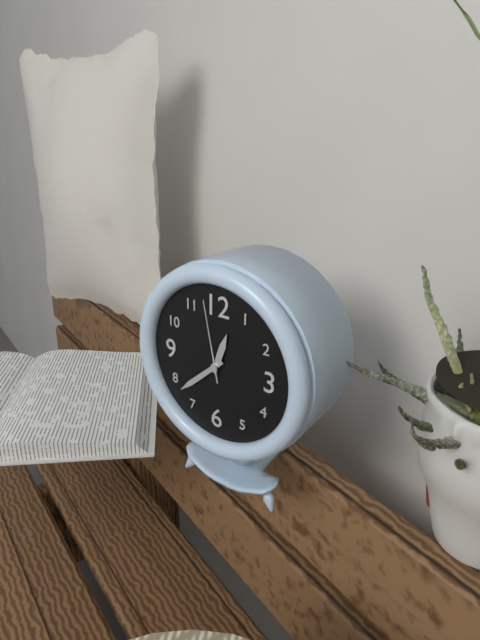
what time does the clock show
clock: 12:38:58
